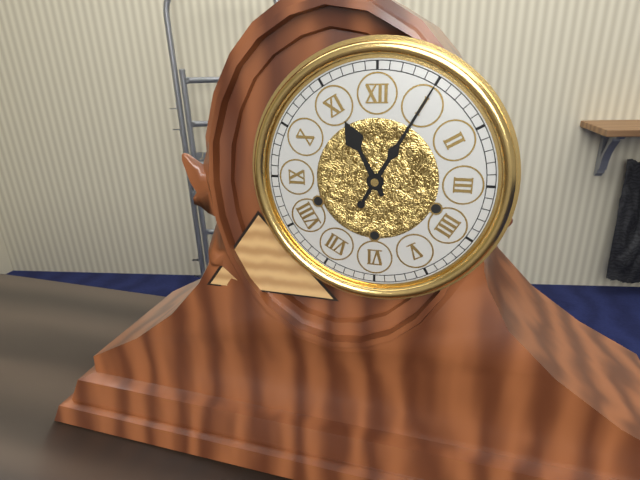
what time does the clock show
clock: 11:05
